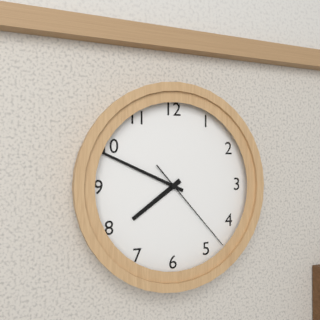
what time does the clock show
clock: 7:49:23
